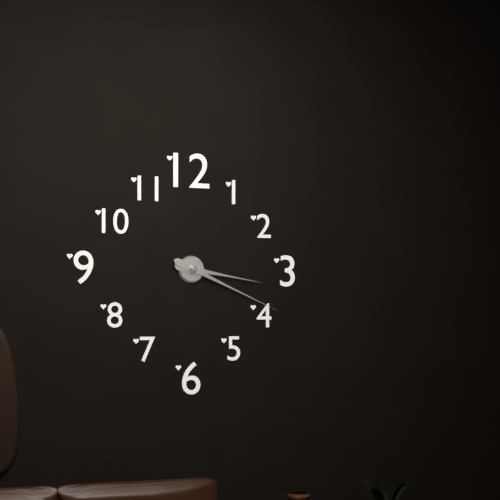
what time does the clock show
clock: 3:19
